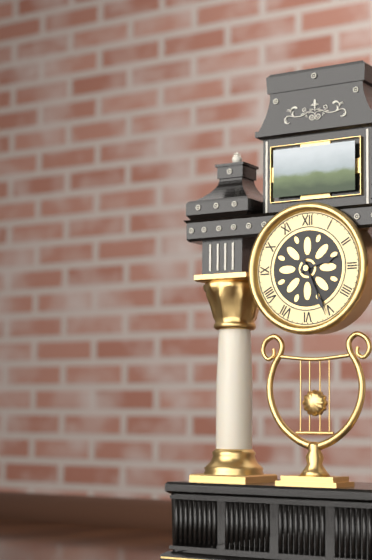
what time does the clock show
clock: 2:26
